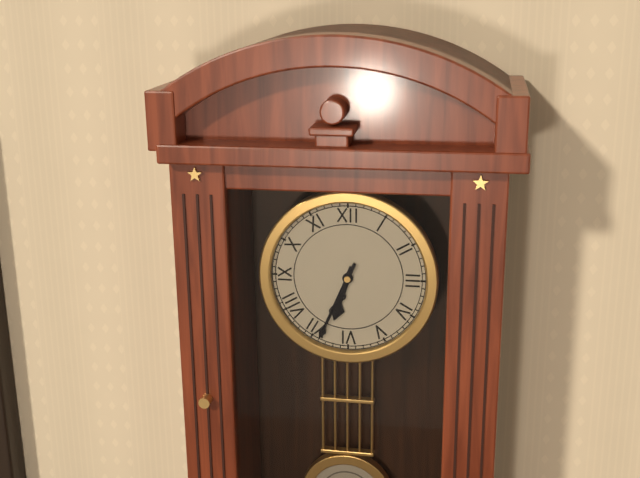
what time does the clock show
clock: 6:34
